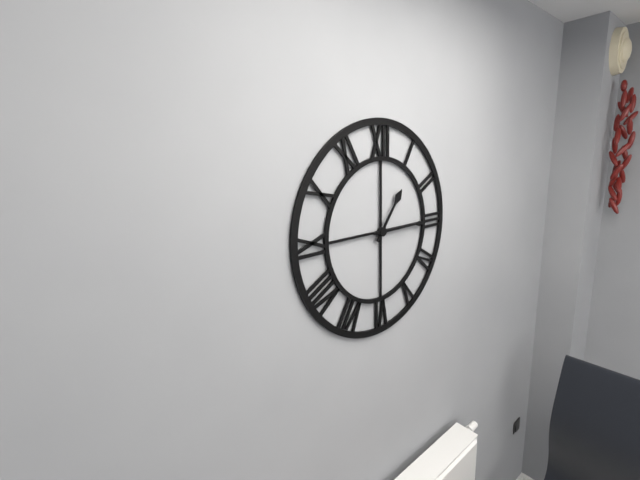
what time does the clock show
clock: 1:15
